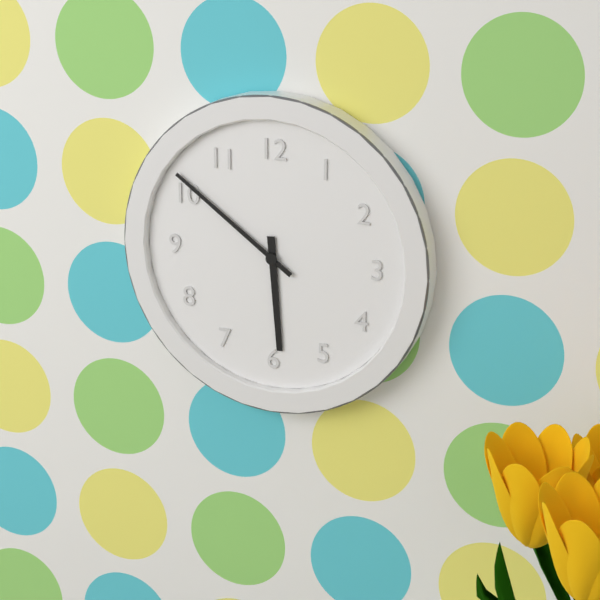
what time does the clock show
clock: 5:51
